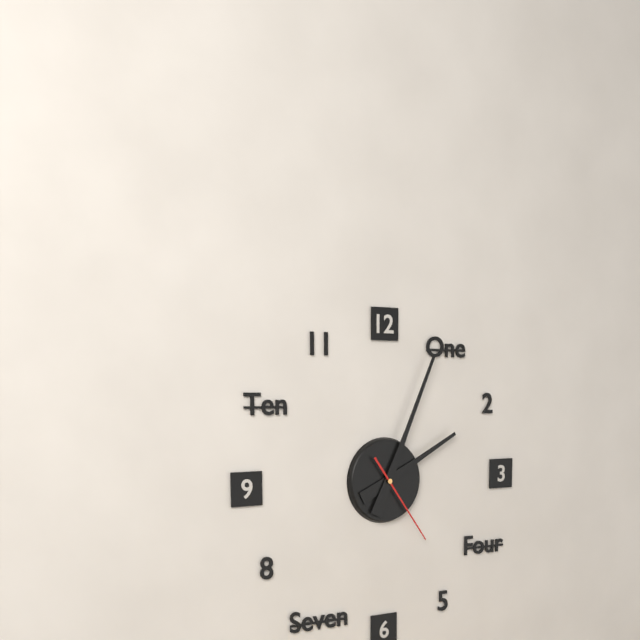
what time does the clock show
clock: 2:04:24
